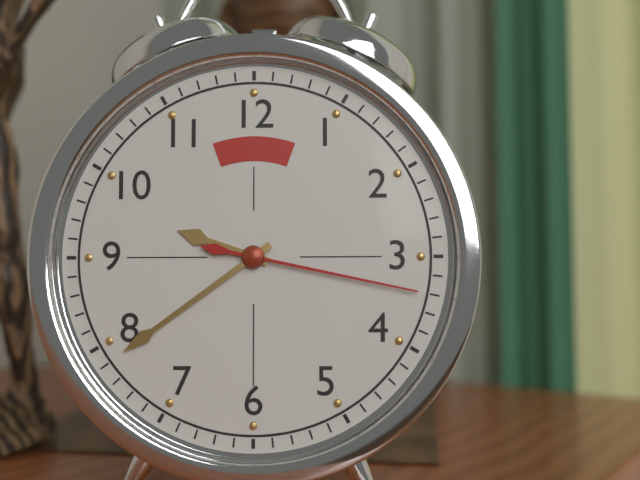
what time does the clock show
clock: 9:39:17
